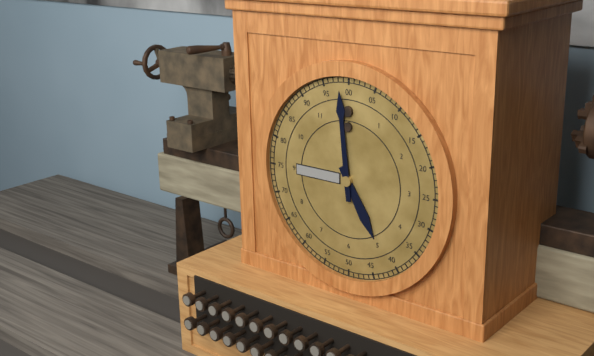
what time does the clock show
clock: 4:59
